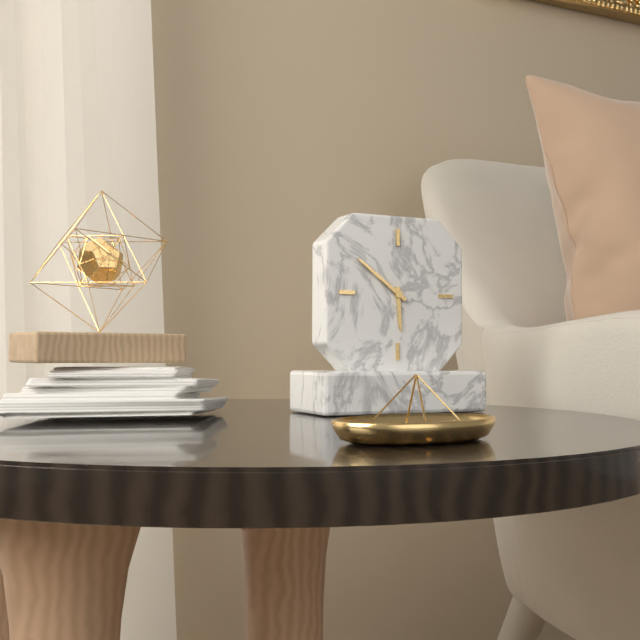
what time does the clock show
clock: 5:51
